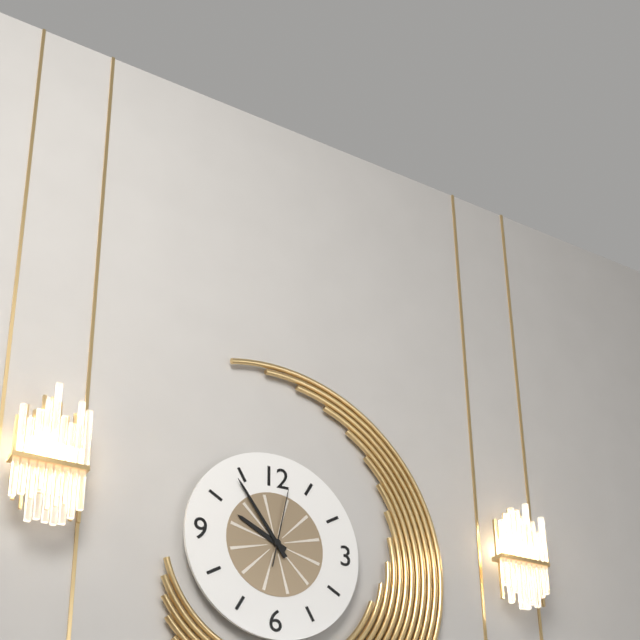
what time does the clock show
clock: 9:54:02
